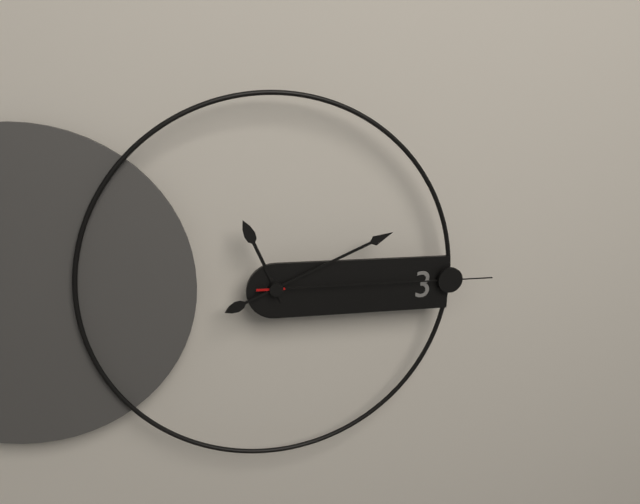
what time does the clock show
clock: 11:11:15
